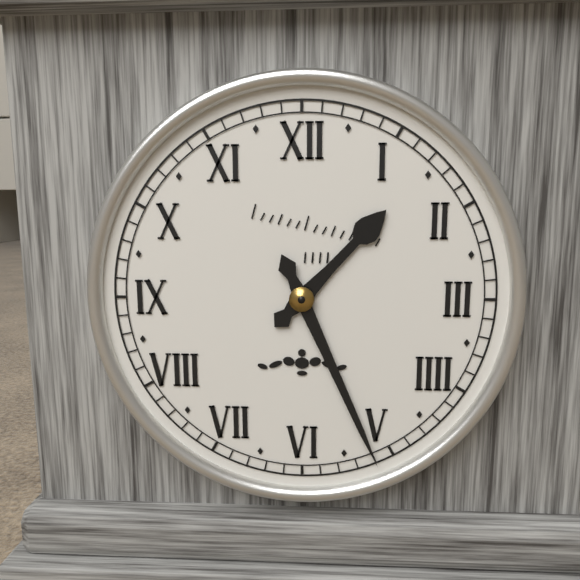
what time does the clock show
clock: 1:26
